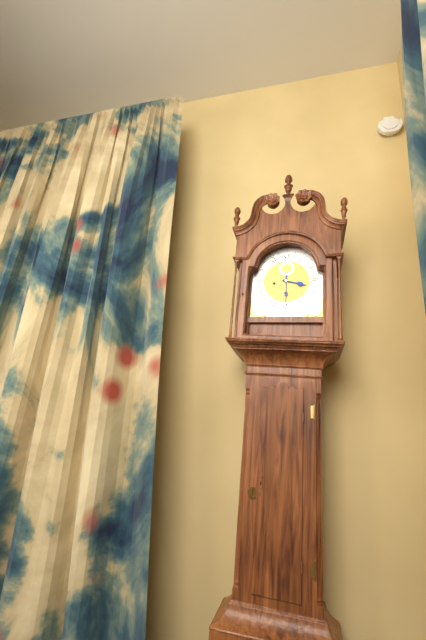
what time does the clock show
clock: 3:30
